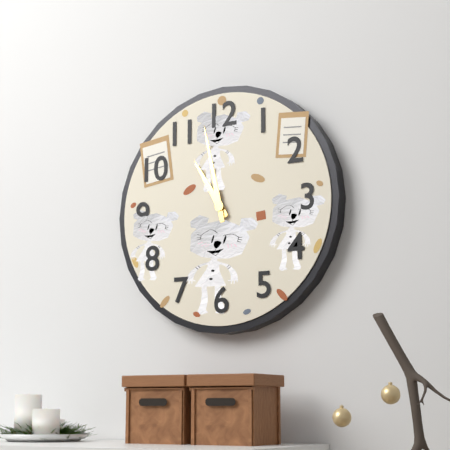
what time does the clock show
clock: 10:58
